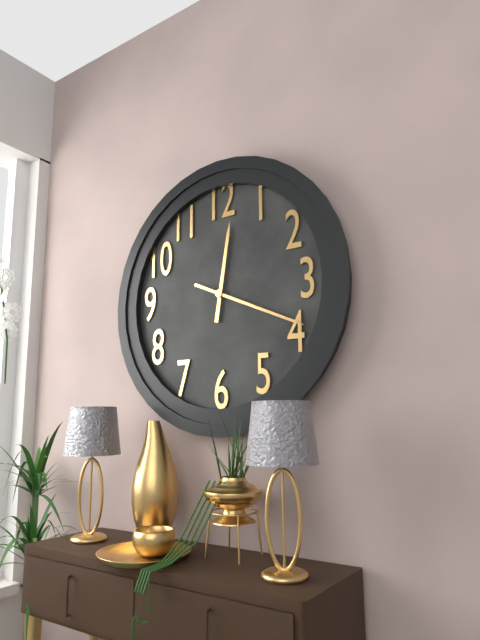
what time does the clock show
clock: 12:19
